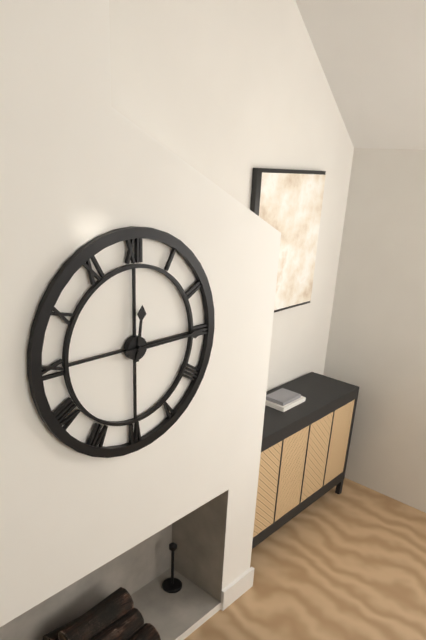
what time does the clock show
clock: 12:15
